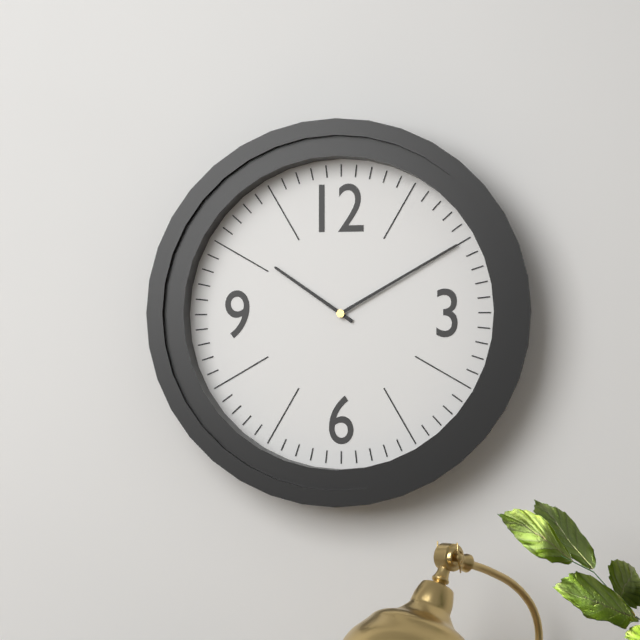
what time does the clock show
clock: 10:10
